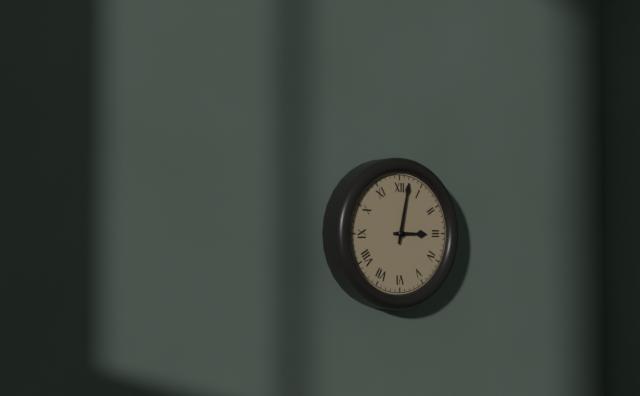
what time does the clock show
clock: 3:02
